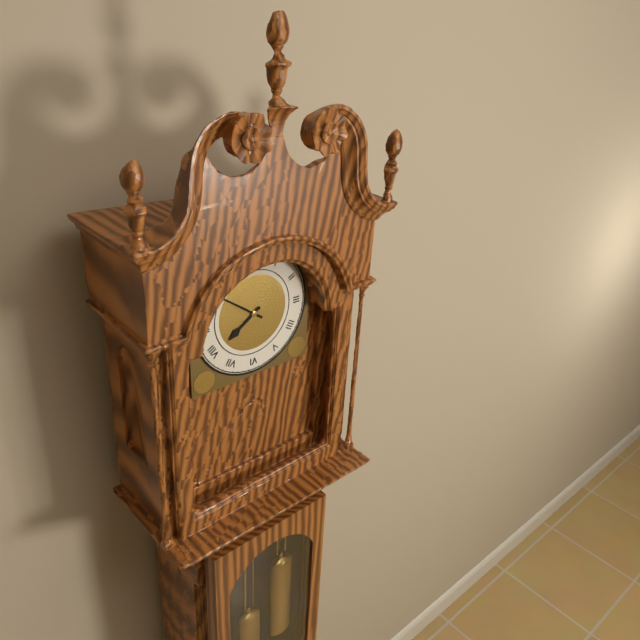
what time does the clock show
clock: 7:51
